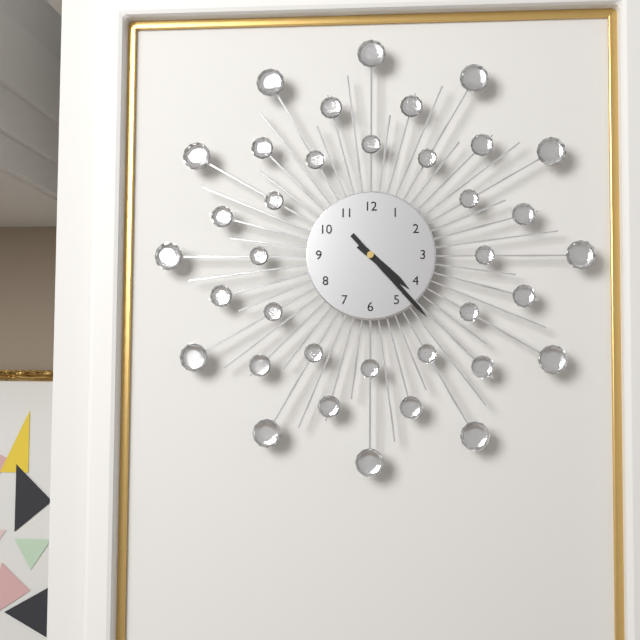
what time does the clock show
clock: 4:23
